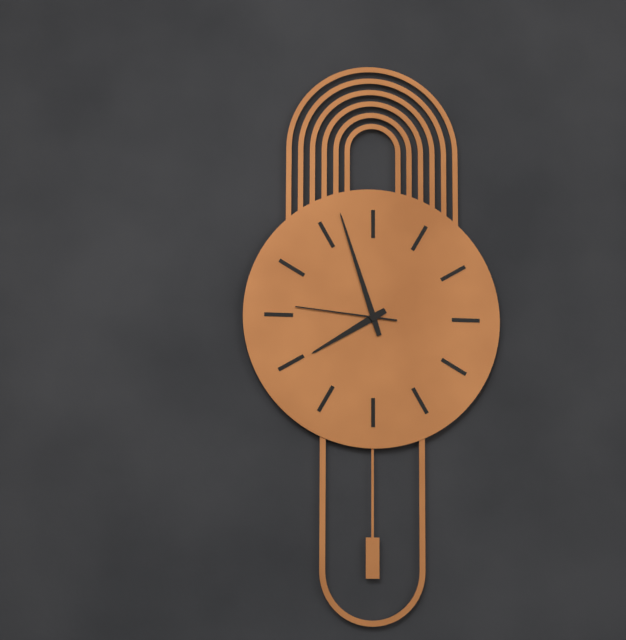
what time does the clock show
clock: 7:57:46
